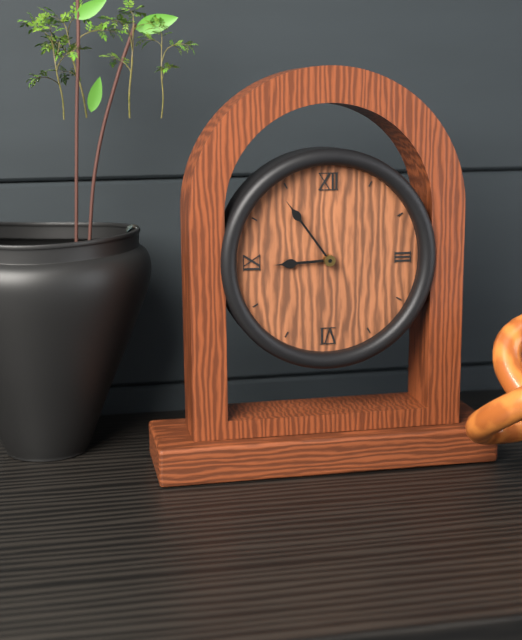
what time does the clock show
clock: 8:54
